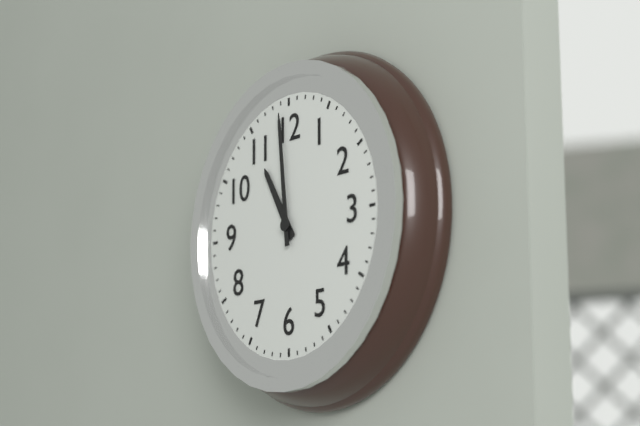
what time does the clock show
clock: 10:59
